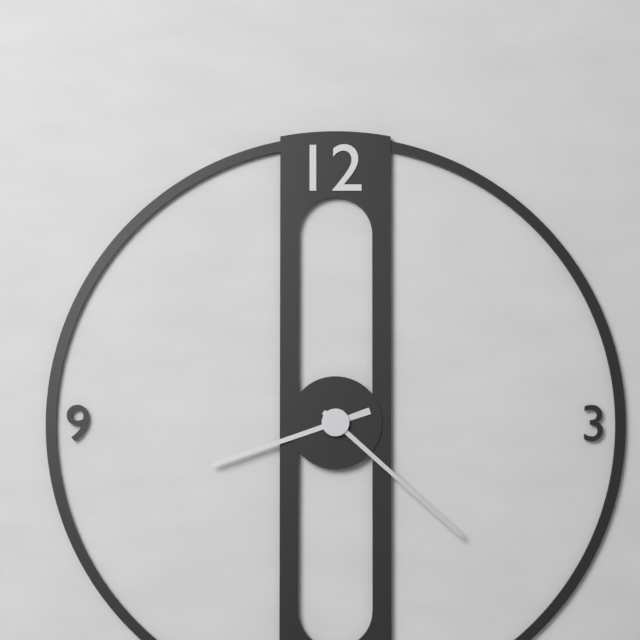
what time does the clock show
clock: 8:22
